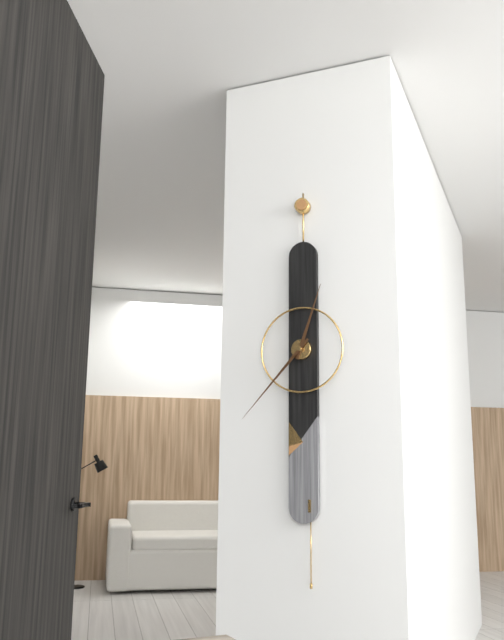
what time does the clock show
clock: 12:37
